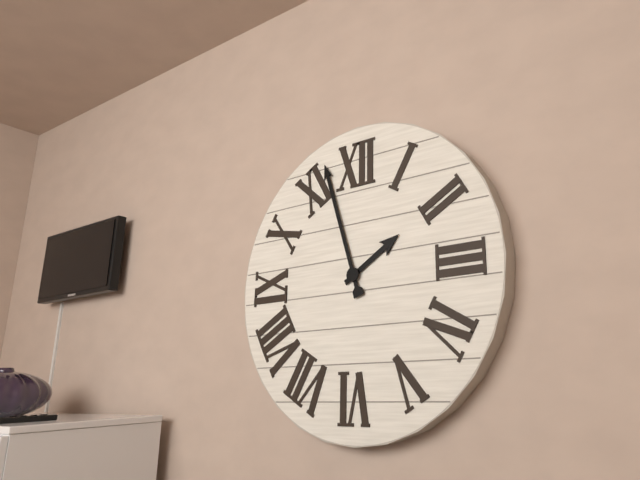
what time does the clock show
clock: 1:57
